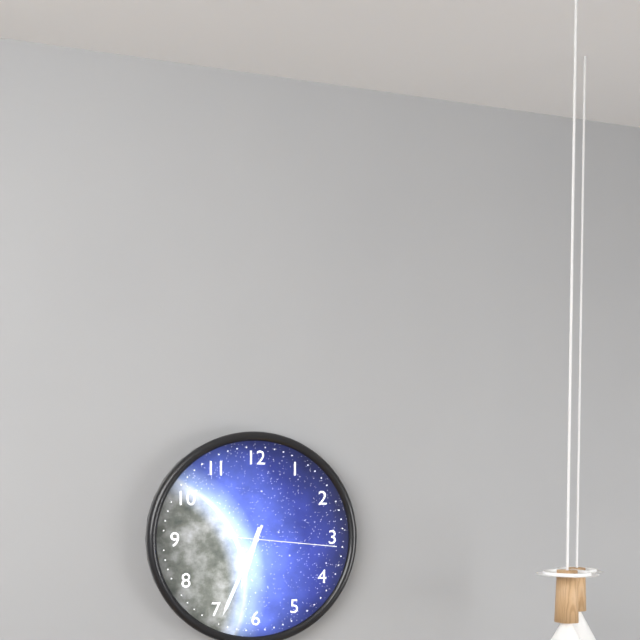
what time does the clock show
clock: 6:34:16
